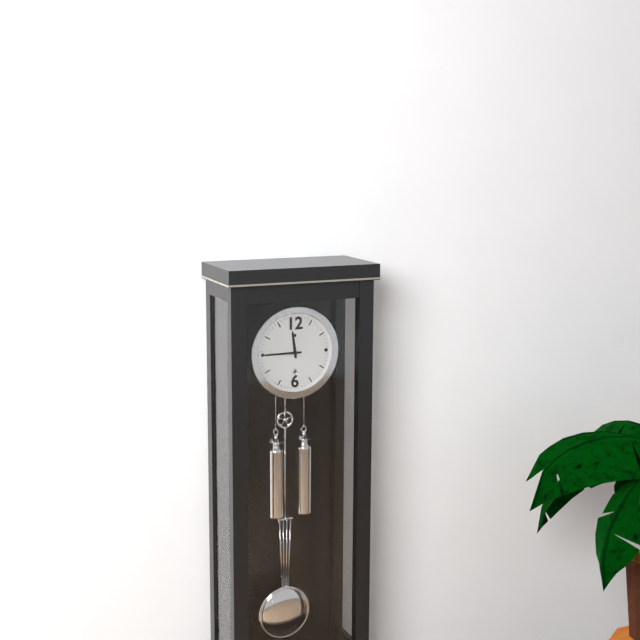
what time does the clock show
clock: 11:45
